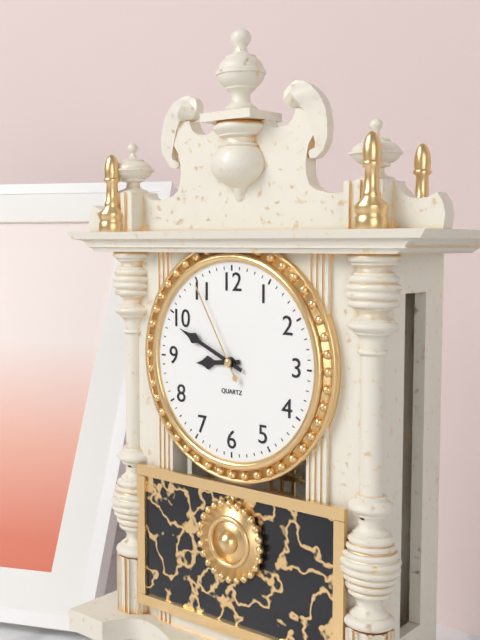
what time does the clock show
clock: 8:49:55
